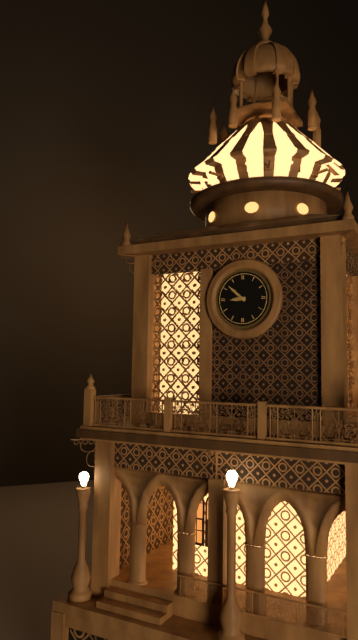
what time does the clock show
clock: 8:52
